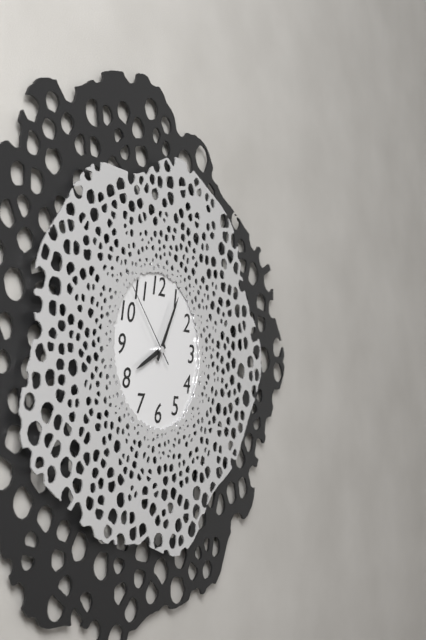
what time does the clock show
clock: 8:05:53
